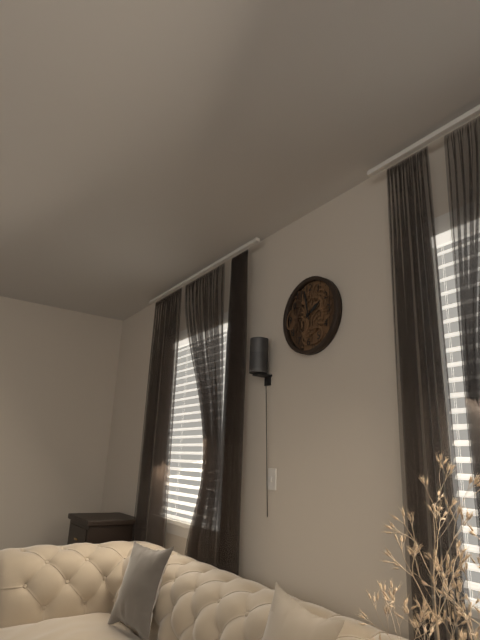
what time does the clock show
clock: 1:58
